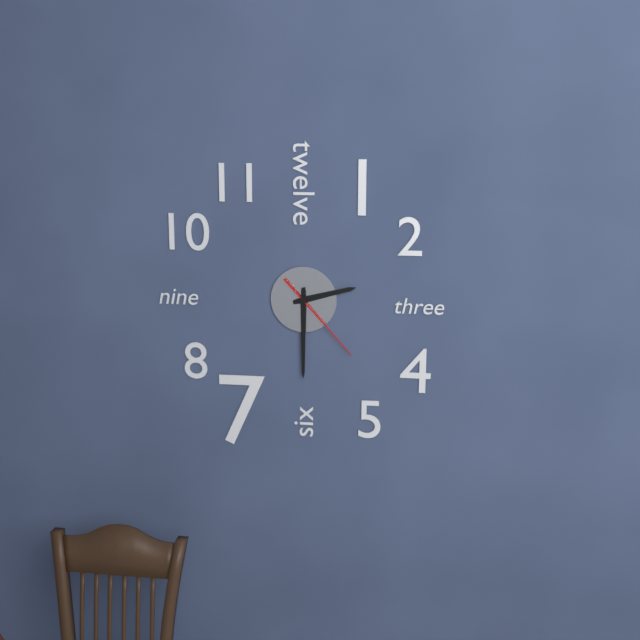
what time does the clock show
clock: 2:30:23
